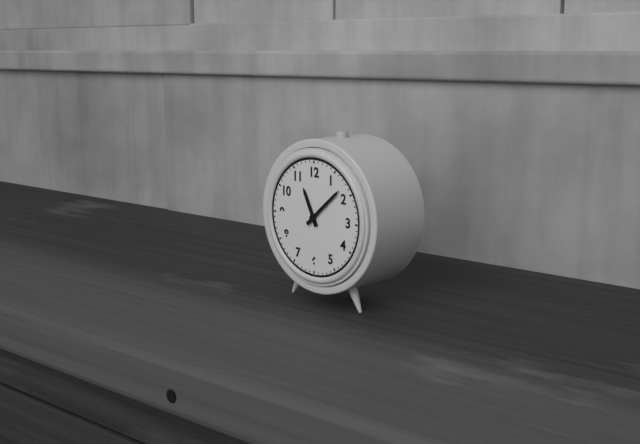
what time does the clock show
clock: 11:08
